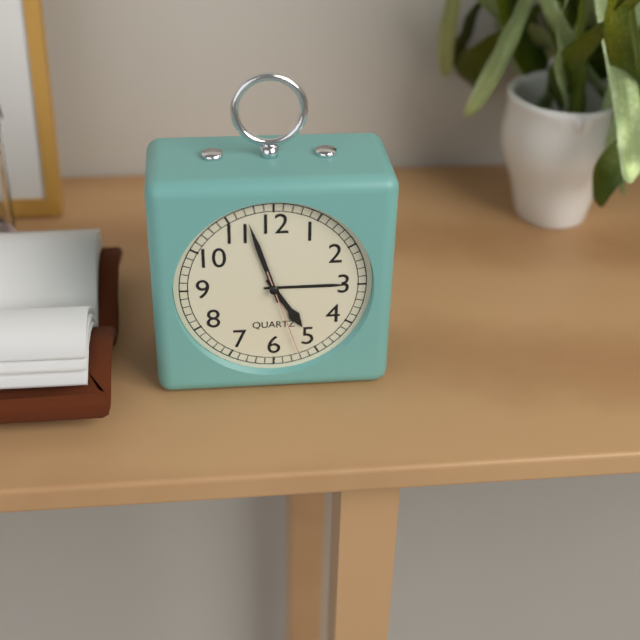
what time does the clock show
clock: 4:57:27
